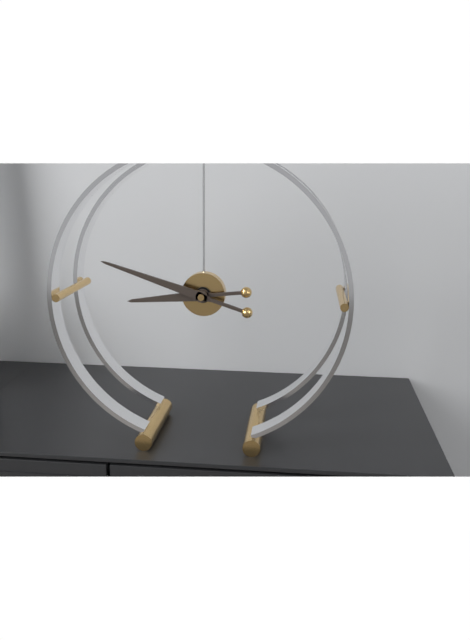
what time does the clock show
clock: 8:48
